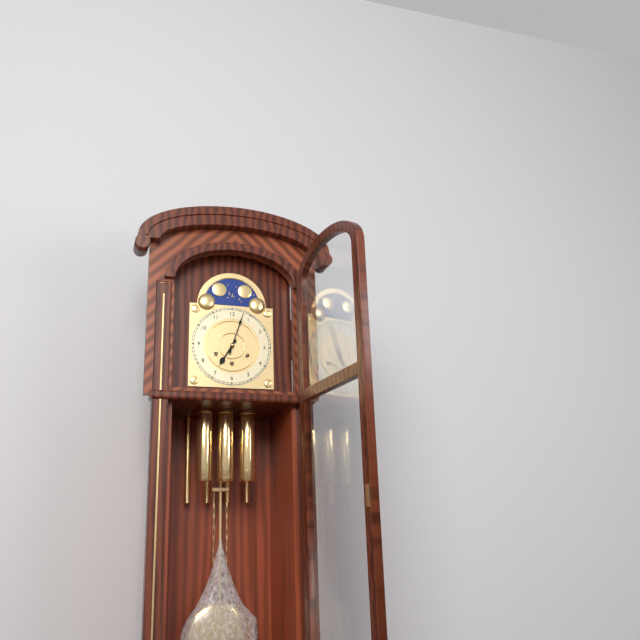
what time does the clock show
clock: 7:03
